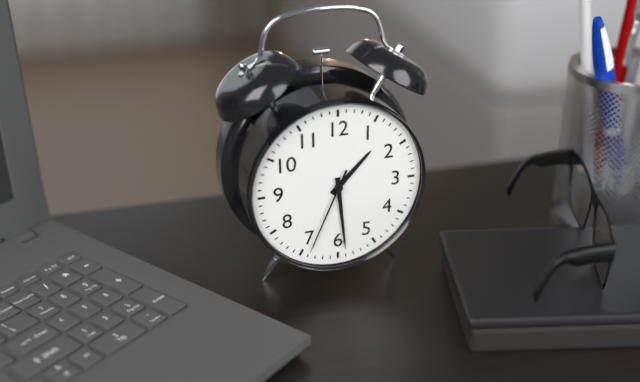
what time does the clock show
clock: 1:29:34
